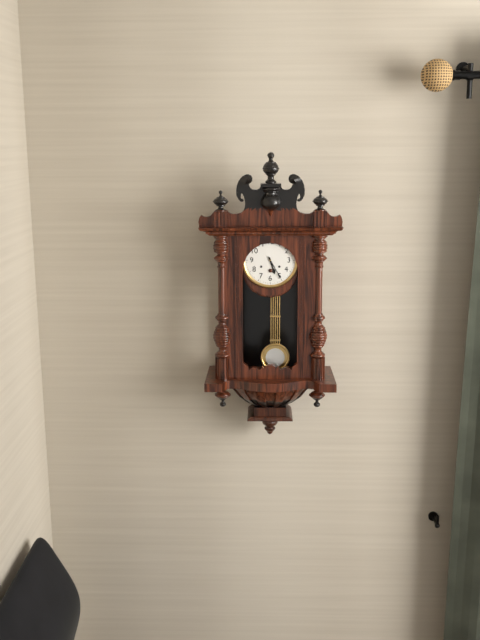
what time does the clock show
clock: 5:25
